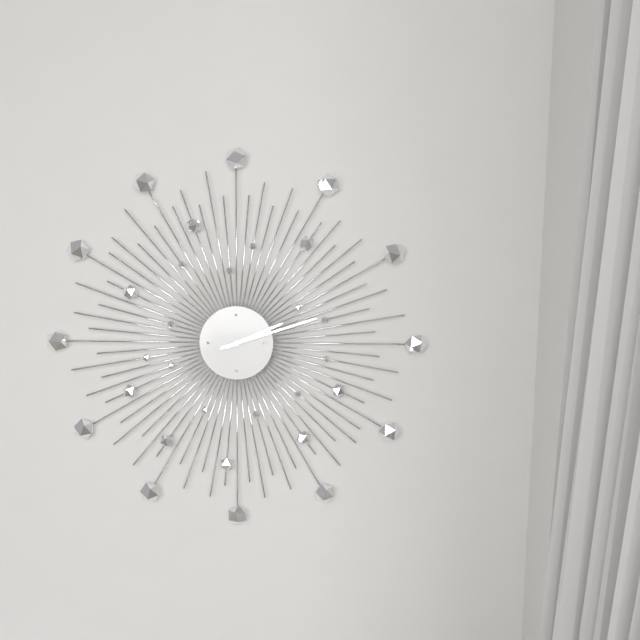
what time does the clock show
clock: 2:12
